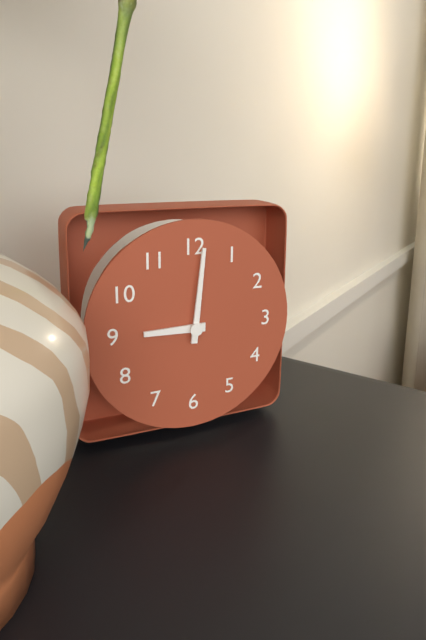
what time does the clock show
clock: 9:01
